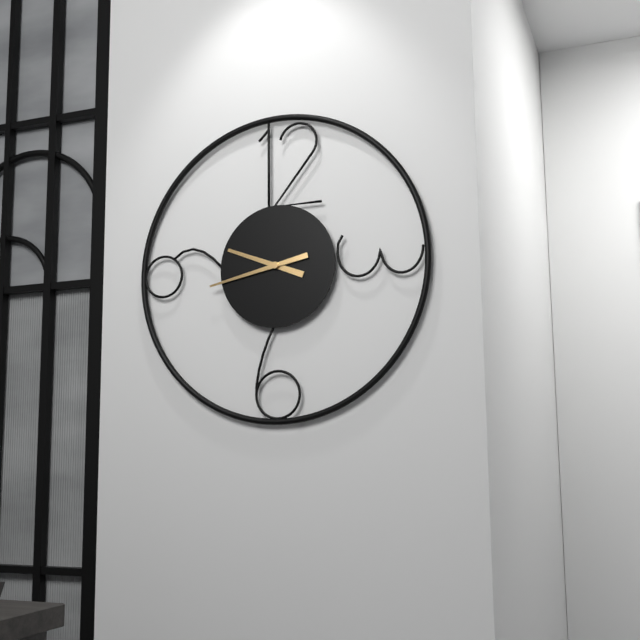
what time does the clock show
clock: 9:43
